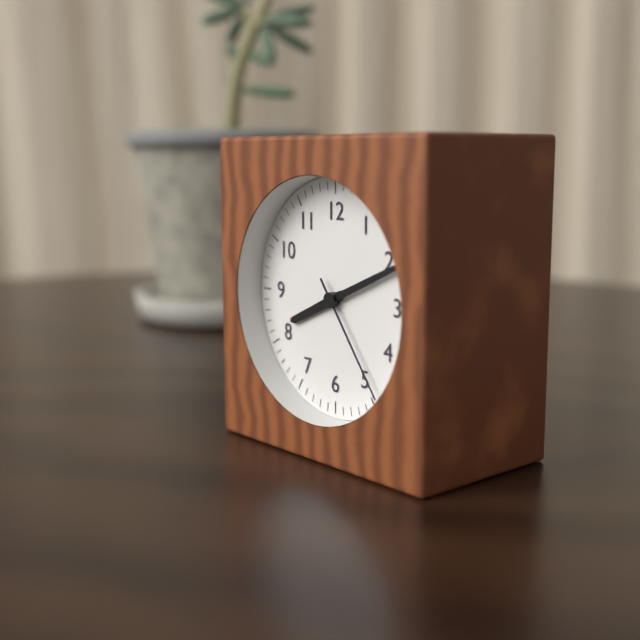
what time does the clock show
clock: 8:11:24
